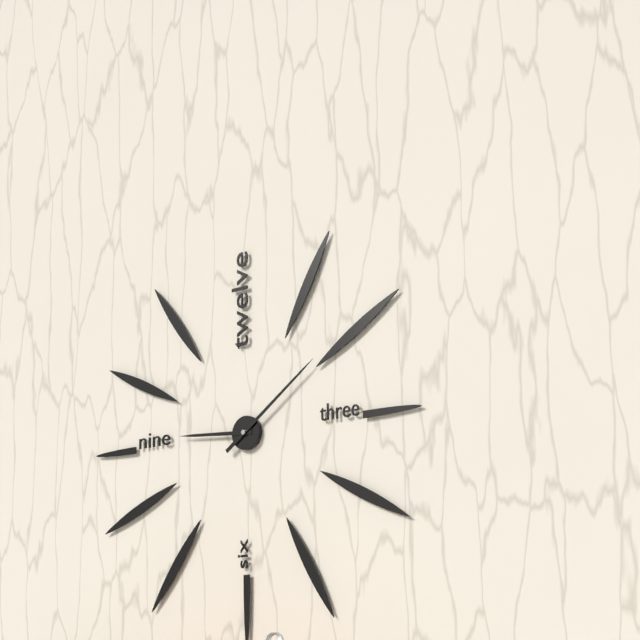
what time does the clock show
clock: 9:09
